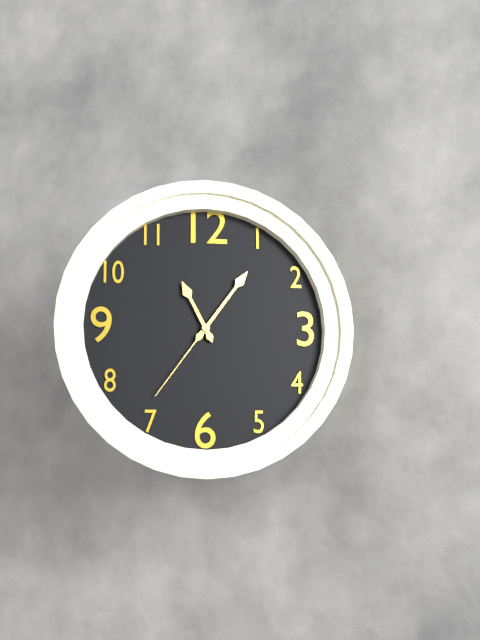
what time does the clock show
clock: 11:06:36
